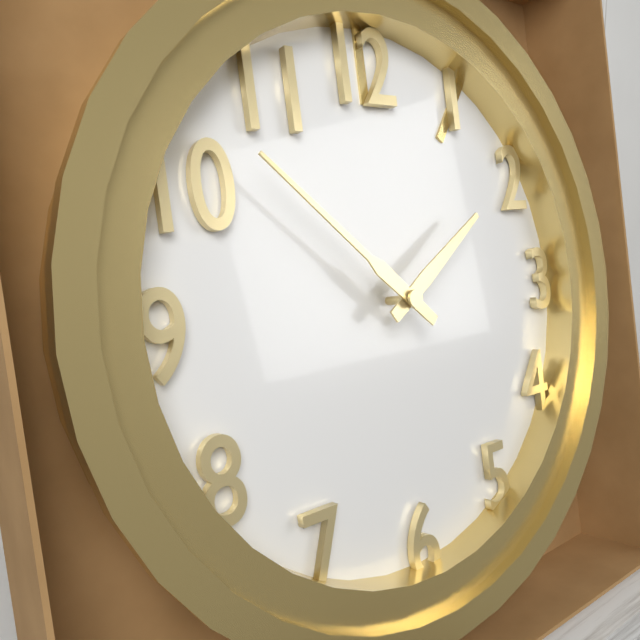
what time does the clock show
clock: 1:52
